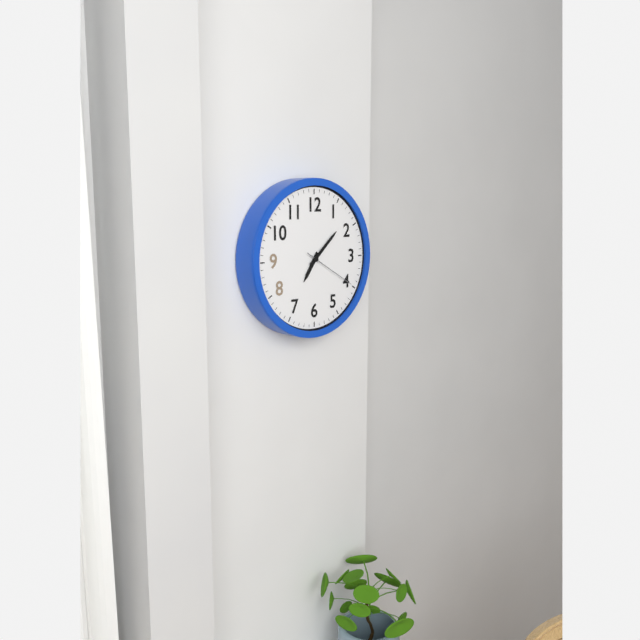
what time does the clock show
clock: 7:08:20
